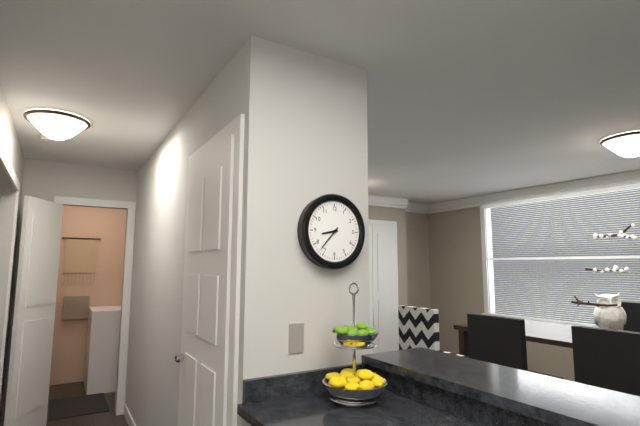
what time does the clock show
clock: 8:37
